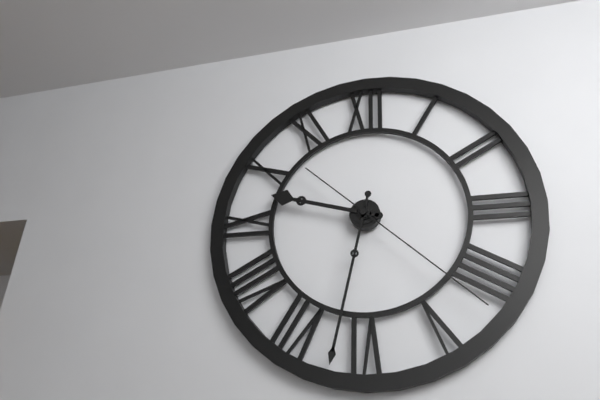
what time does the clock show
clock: 9:32:22
